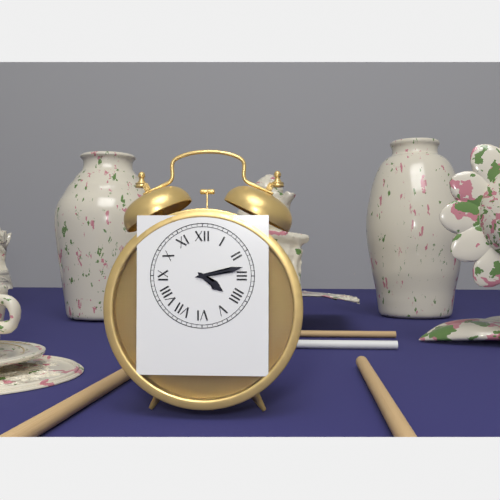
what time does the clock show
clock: 4:13
